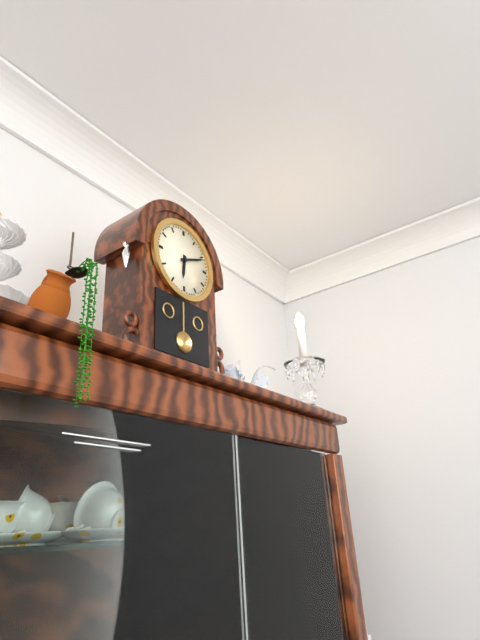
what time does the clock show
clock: 6:11
